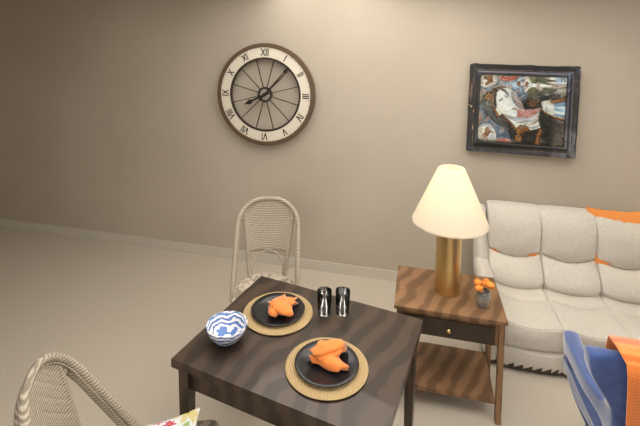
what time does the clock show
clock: 8:07
